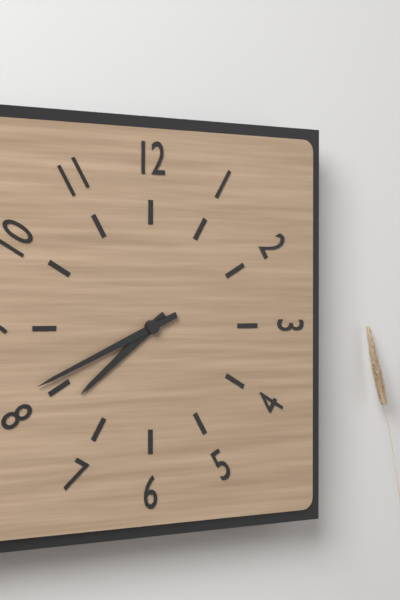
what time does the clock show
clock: 7:41
